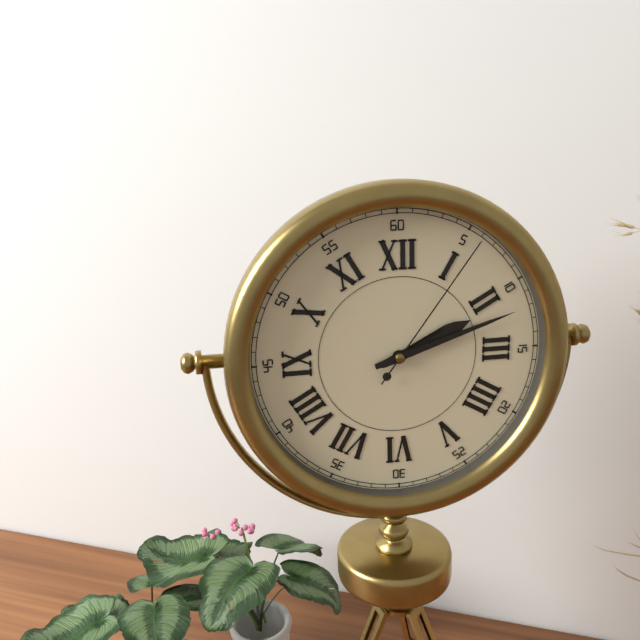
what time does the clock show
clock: 2:12:06
